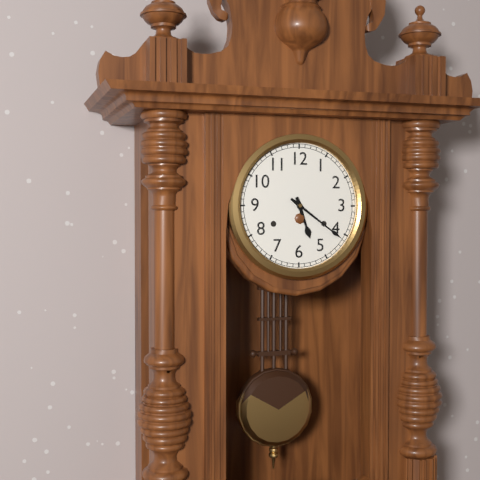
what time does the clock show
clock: 5:21
